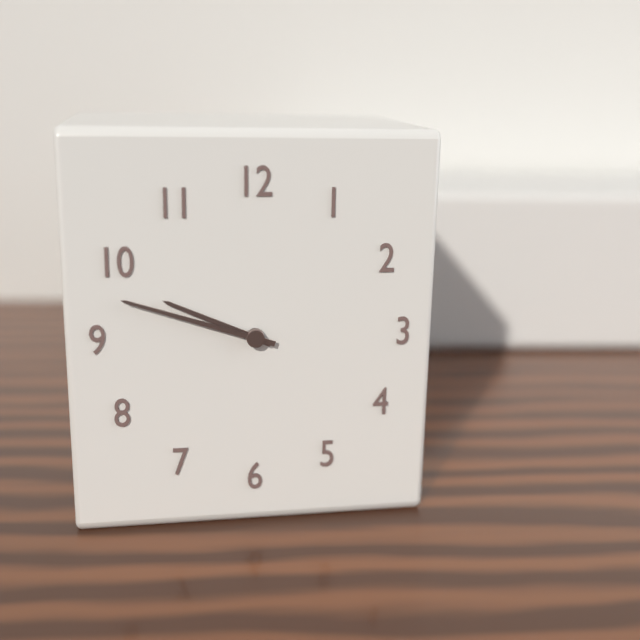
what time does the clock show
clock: 9:48
